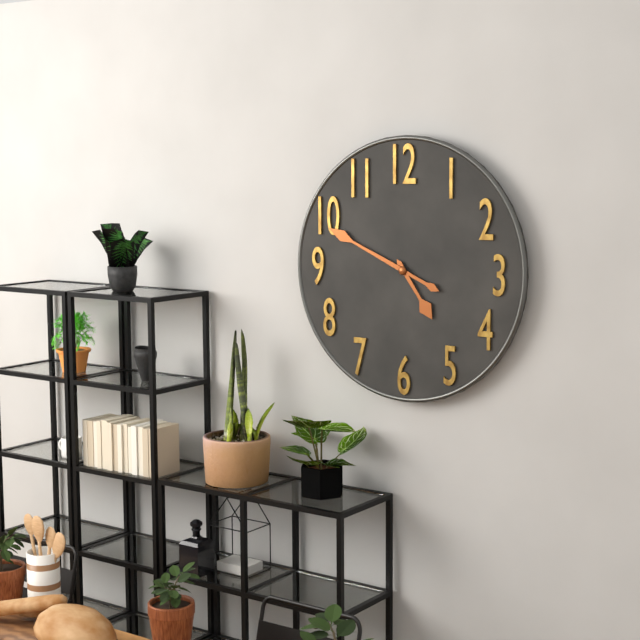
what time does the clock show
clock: 4:49
